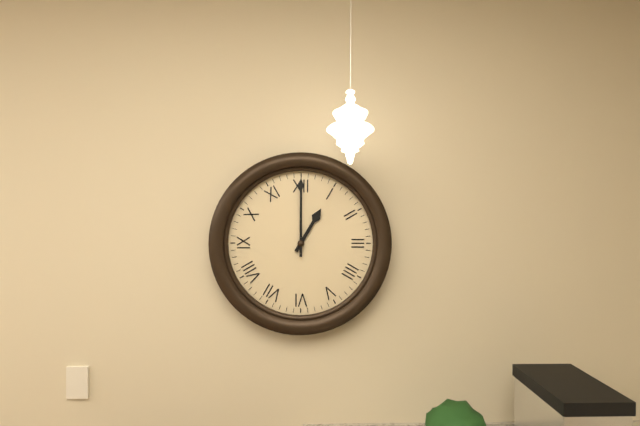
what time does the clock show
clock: 1:00
